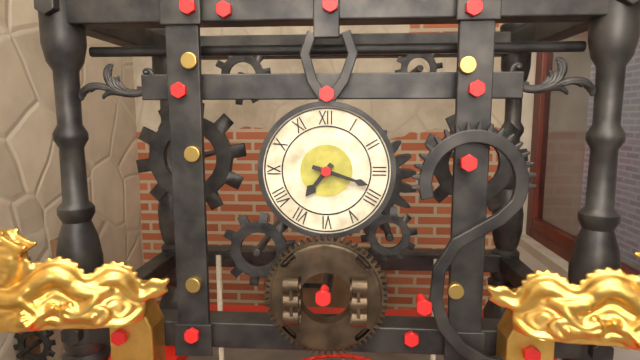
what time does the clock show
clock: 7:18
